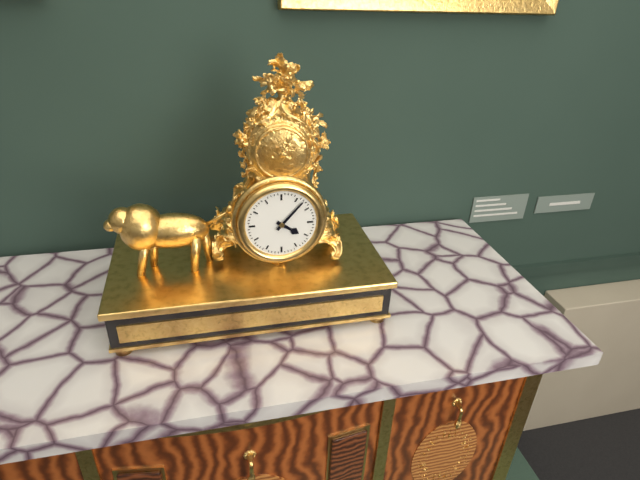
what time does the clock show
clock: 4:07
